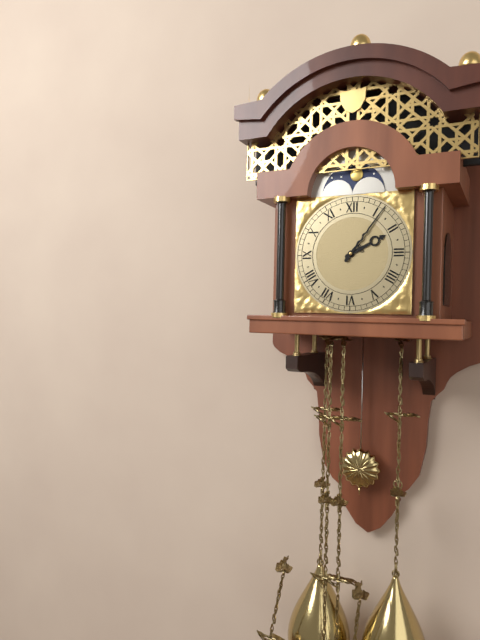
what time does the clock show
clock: 2:06
